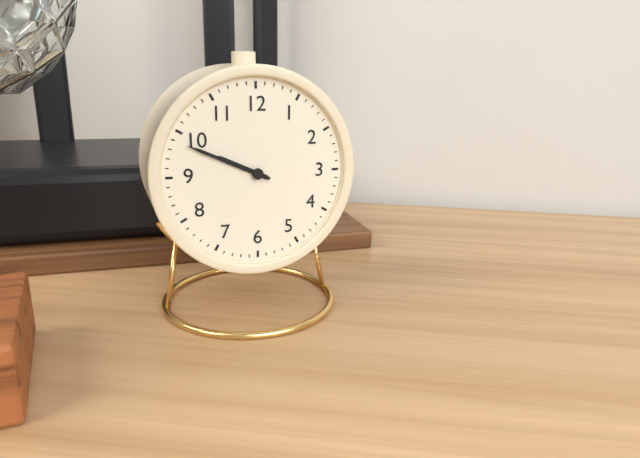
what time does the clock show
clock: 9:49
